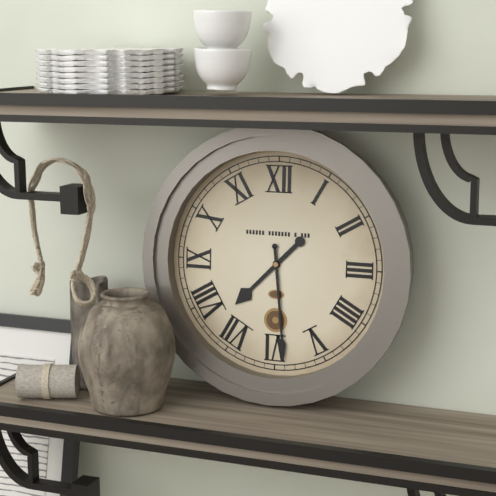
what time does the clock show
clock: 7:29
